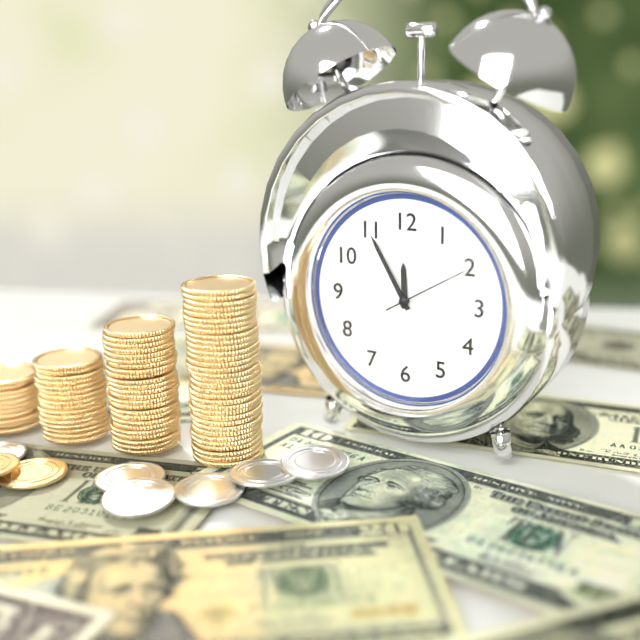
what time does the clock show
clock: 11:55:10
